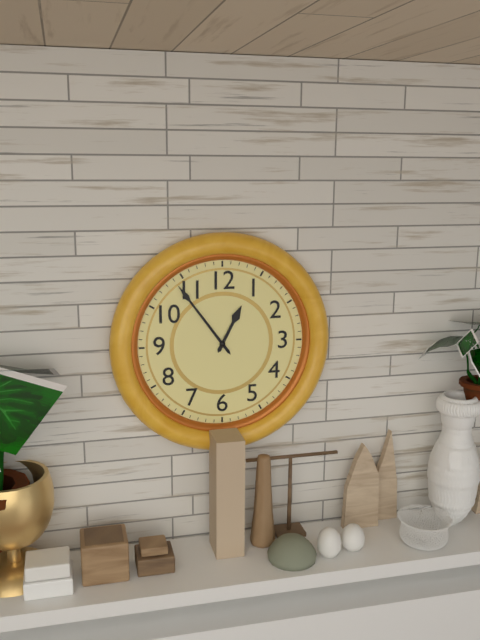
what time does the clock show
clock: 12:54
